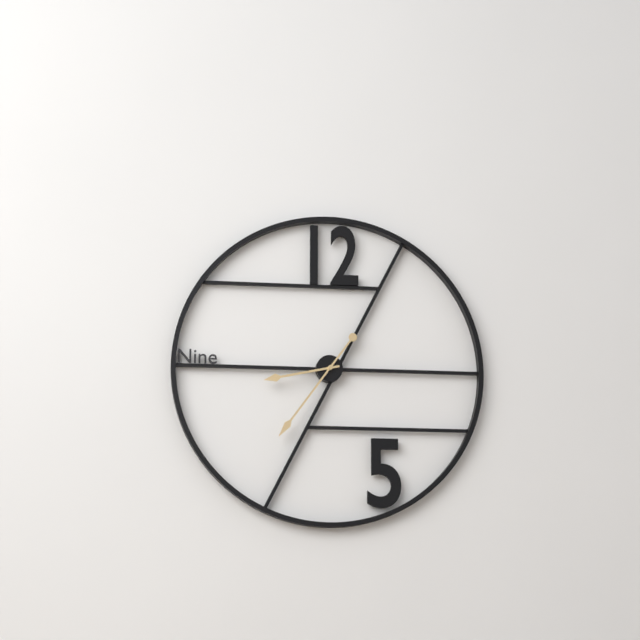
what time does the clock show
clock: 8:36
